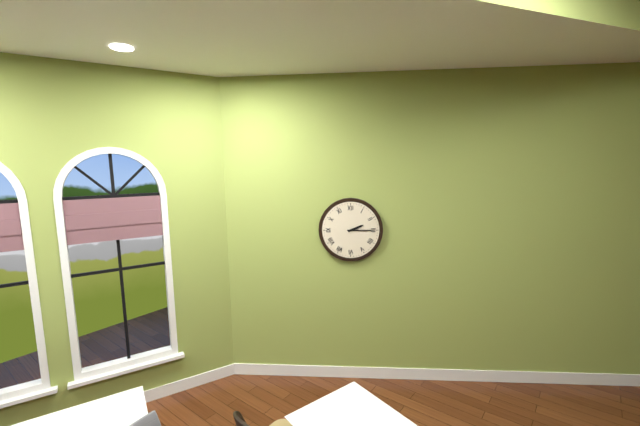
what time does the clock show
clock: 2:15
